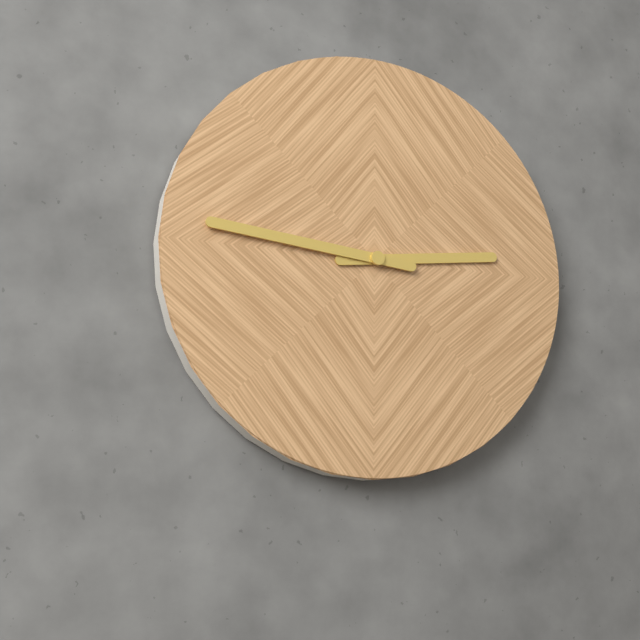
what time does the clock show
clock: 2:46
